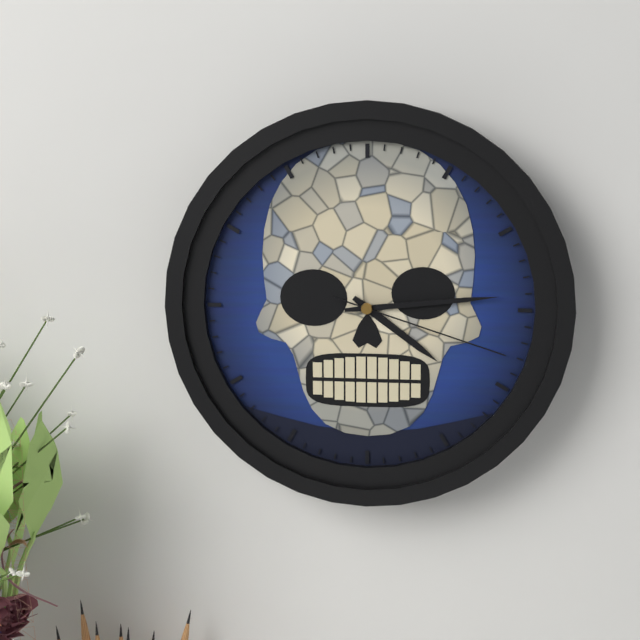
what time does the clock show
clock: 4:14:18
